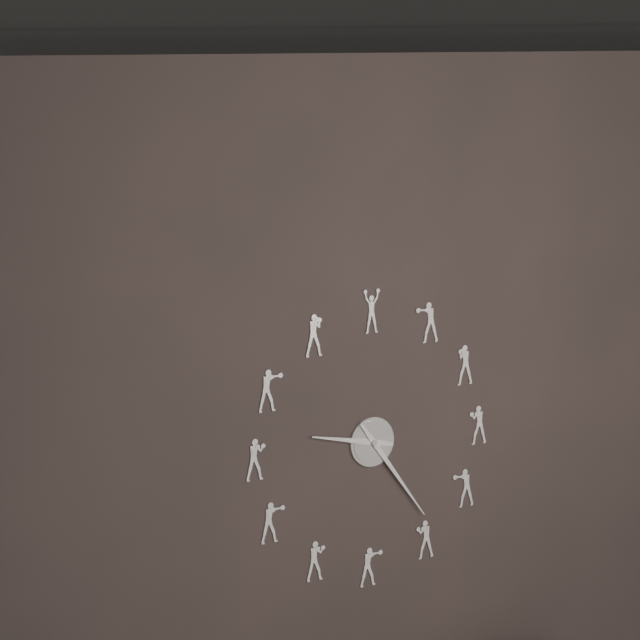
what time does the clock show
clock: 9:24
